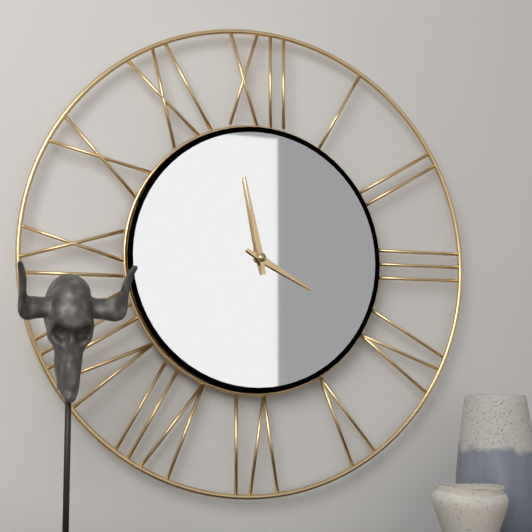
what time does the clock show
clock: 3:58
